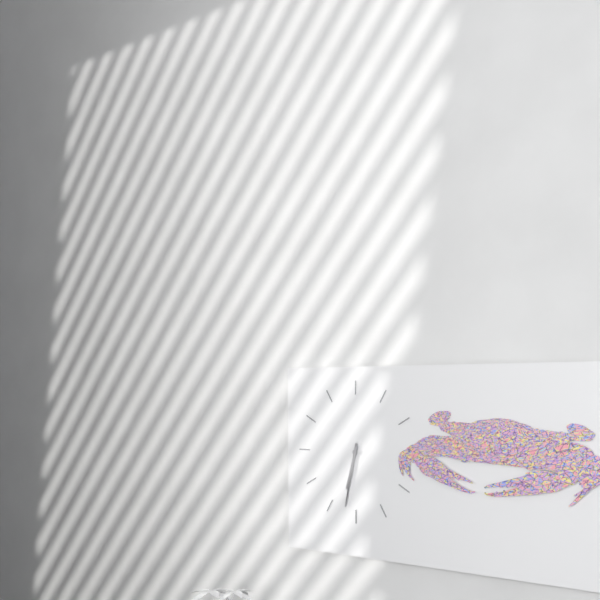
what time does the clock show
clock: 6:32
